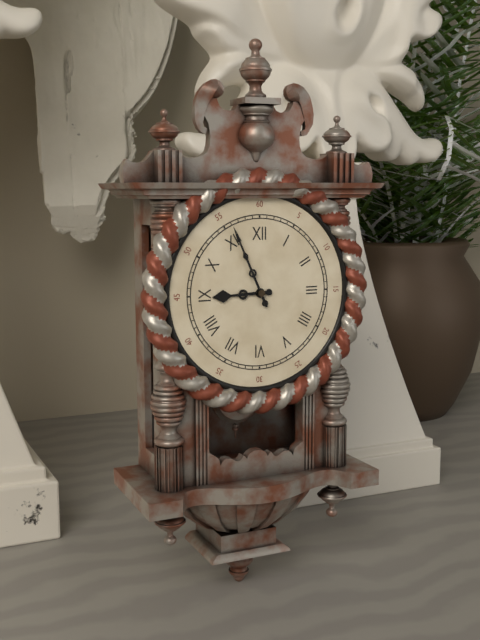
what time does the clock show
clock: 8:56
